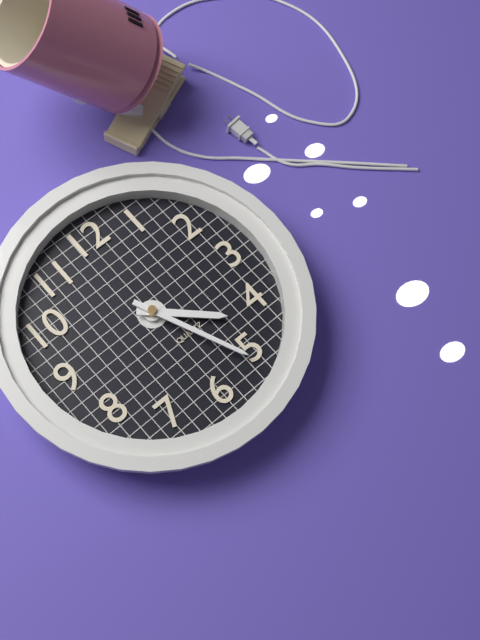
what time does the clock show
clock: 4:26
